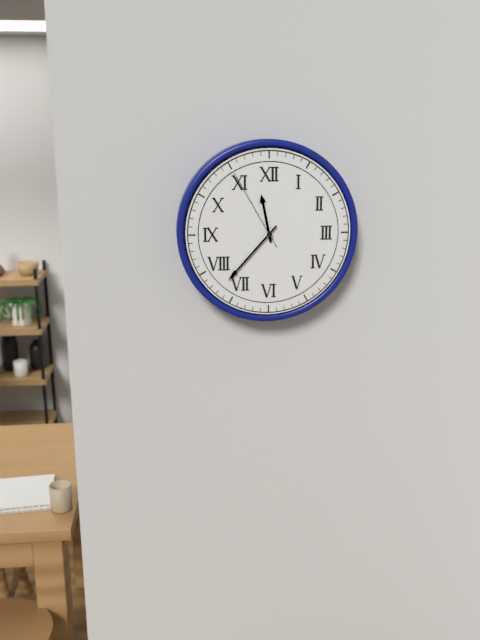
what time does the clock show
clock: 11:37:55
